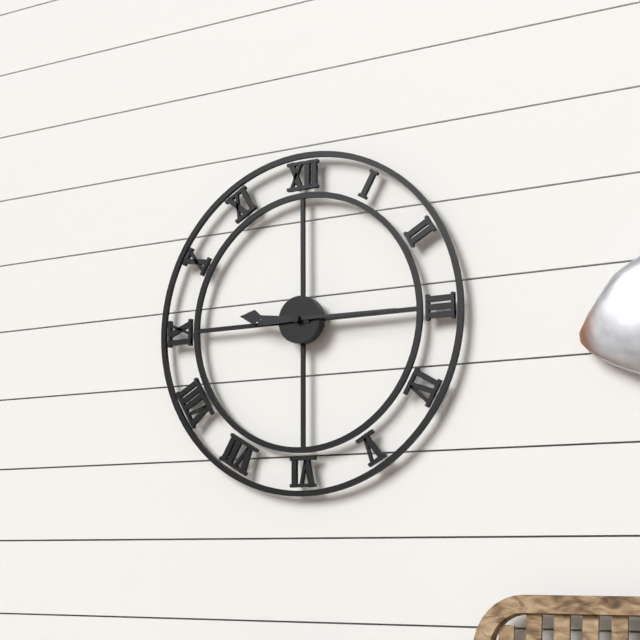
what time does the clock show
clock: 9:15
